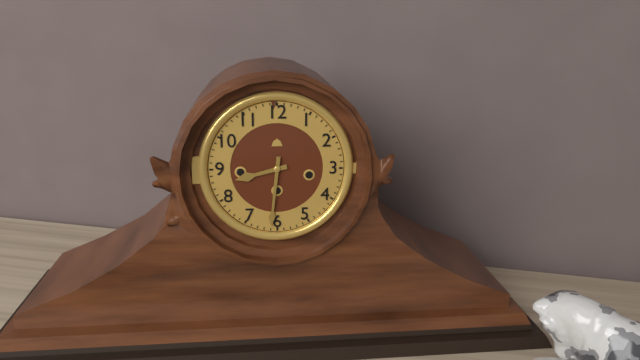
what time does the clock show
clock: 8:31
